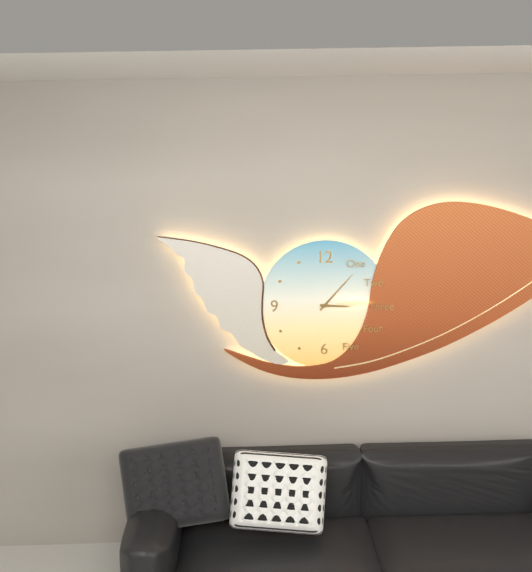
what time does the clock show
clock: 3:07
